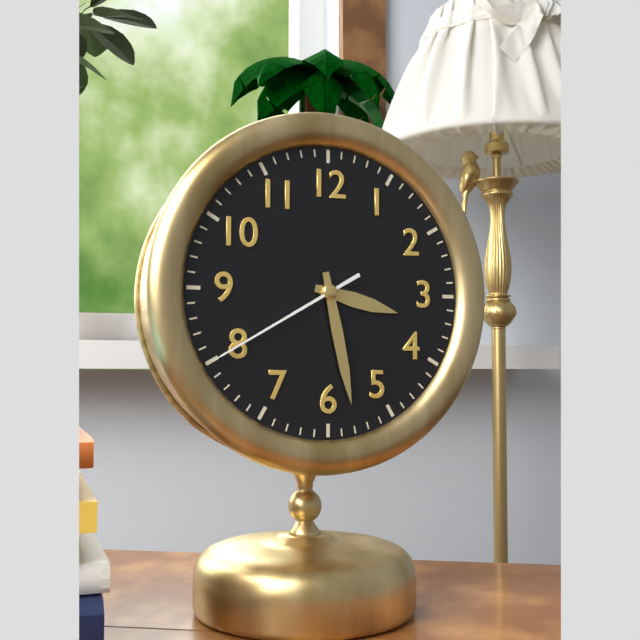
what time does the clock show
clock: 3:28:40
